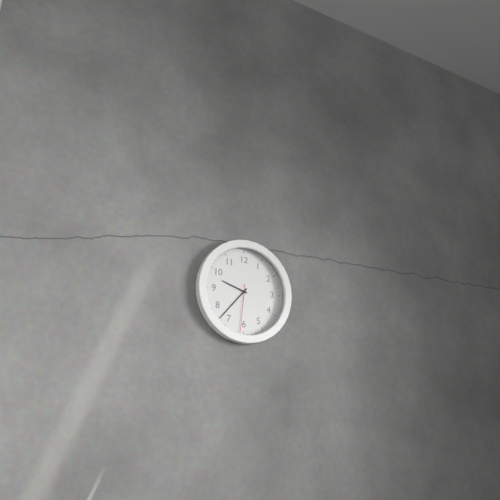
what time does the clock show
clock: 9:37:31
